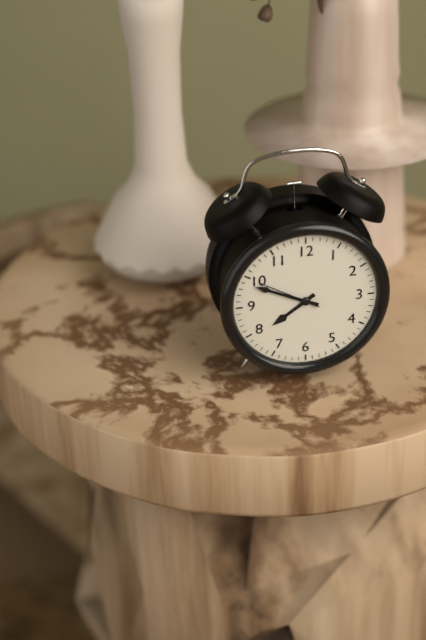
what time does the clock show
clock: 7:49:50
